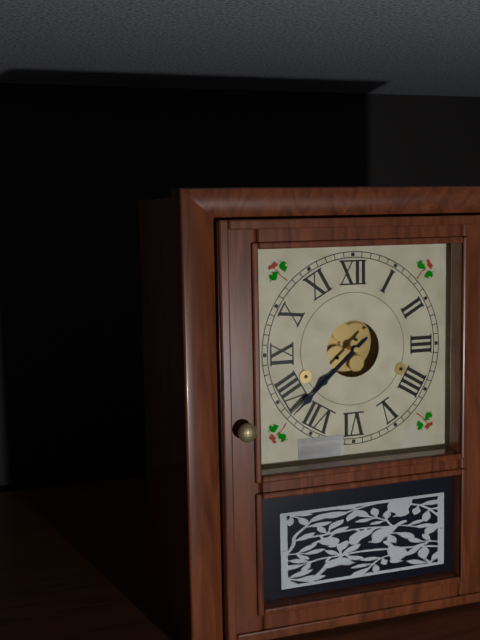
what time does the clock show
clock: 7:38
